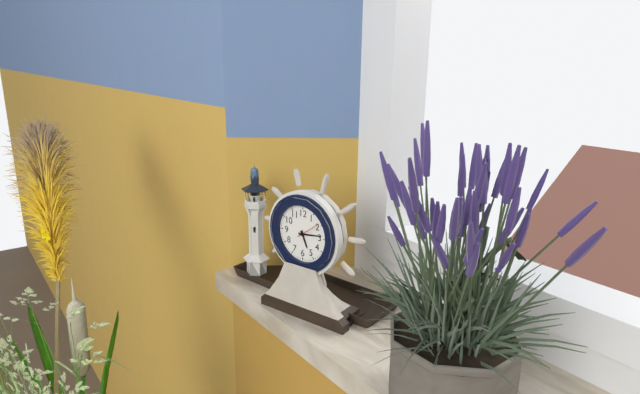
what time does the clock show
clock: 5:14
